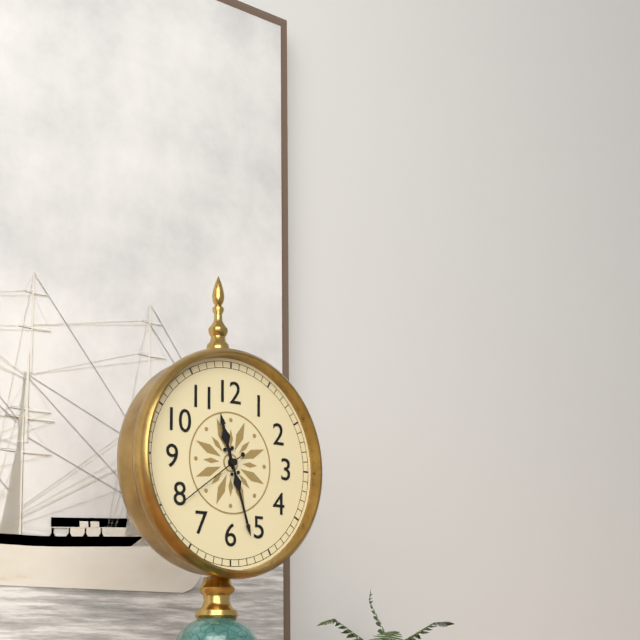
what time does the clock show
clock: 11:27:39
